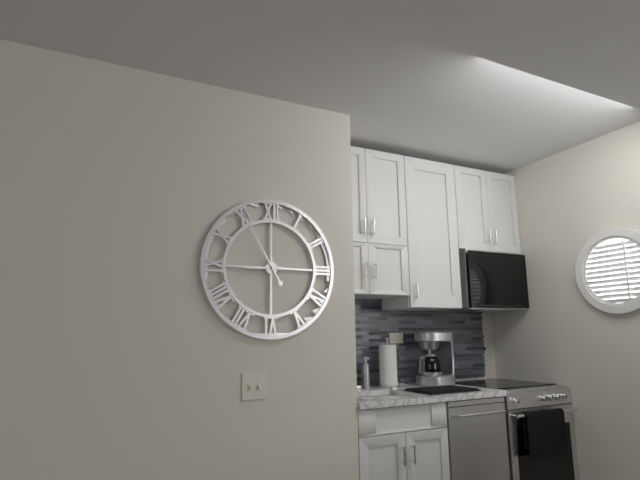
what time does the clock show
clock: 8:55
